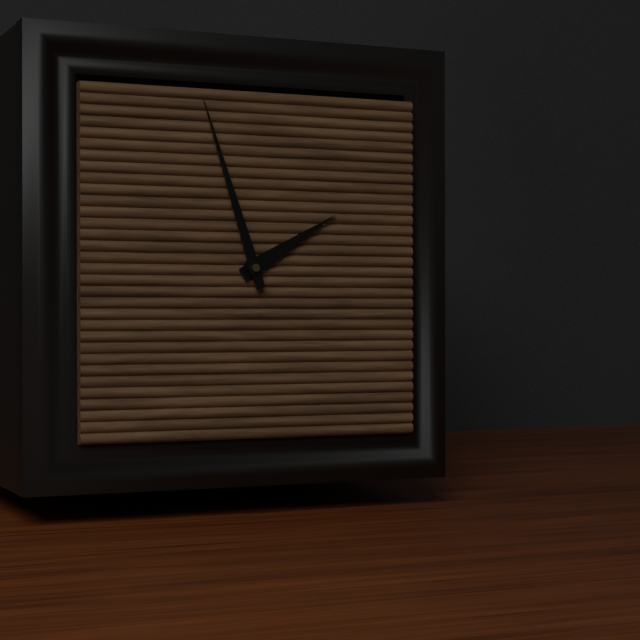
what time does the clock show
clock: 1:57
